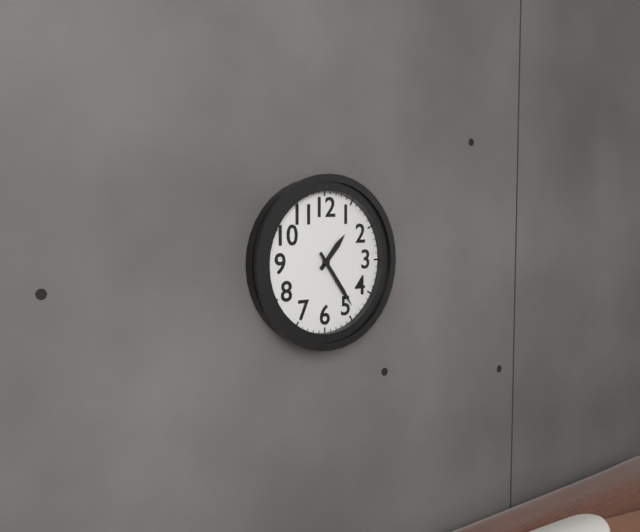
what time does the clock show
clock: 1:24
